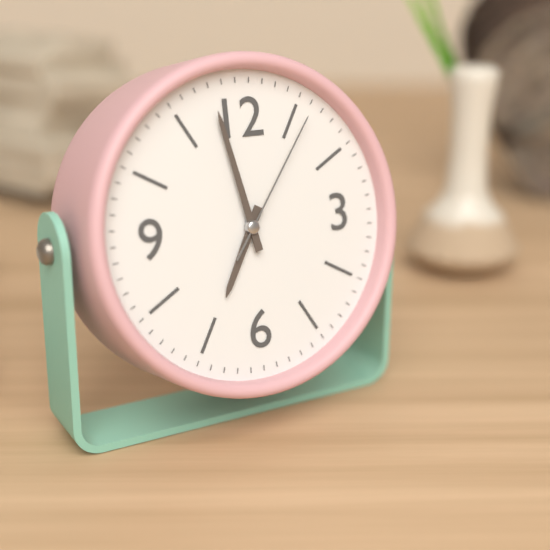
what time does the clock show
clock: 6:58:06
